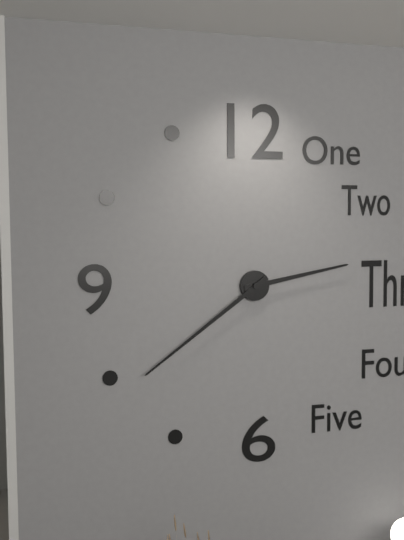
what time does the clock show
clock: 2:39
